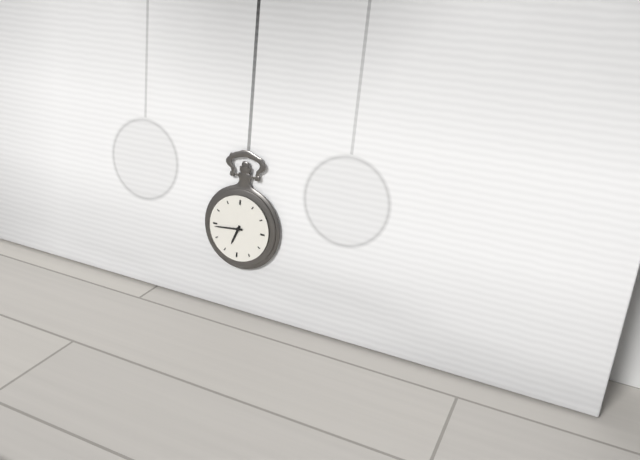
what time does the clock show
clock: 6:44
